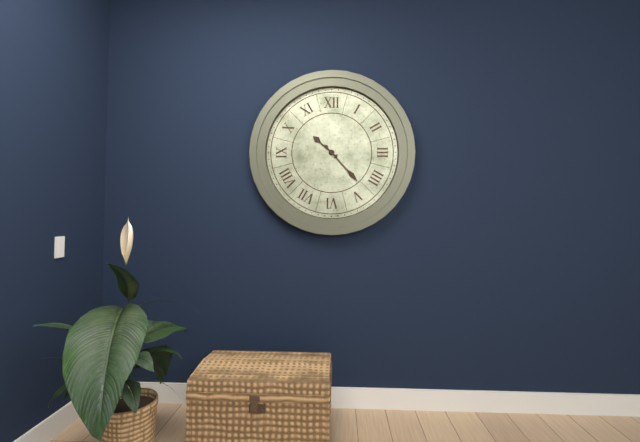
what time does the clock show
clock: 10:23
